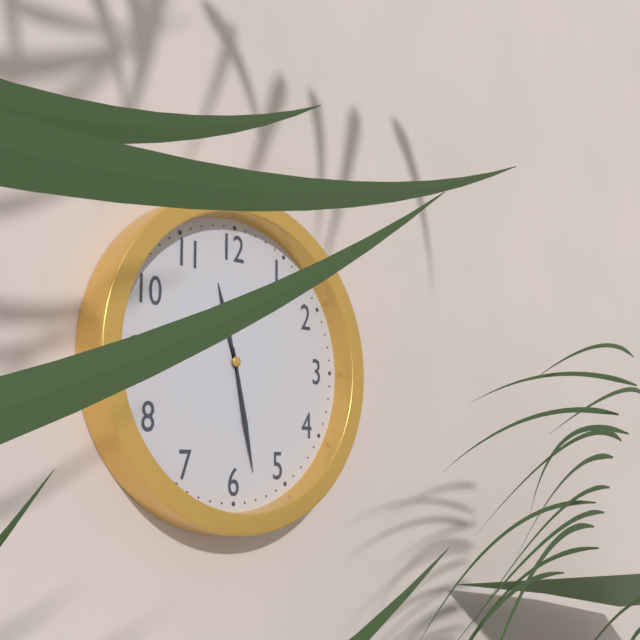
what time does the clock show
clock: 11:28
